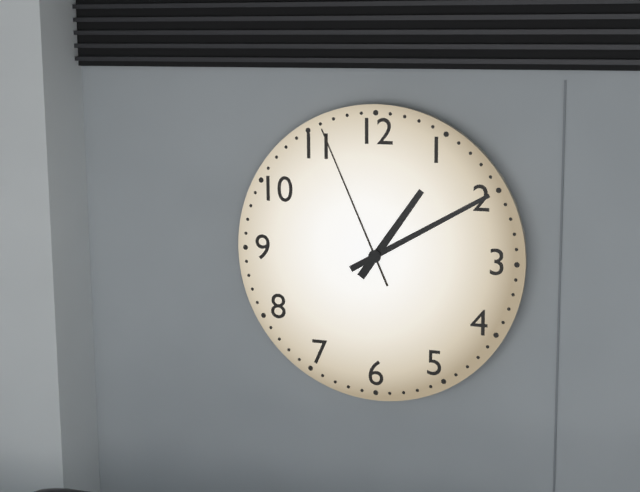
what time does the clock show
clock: 1:10:56
